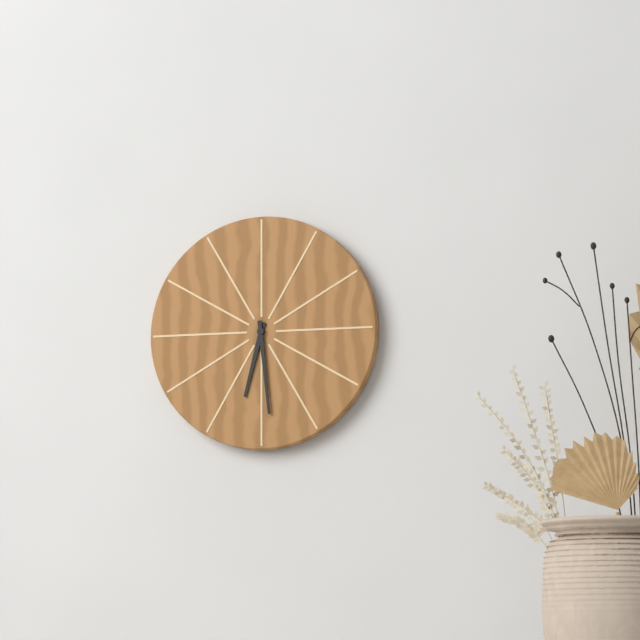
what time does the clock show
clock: 6:29
